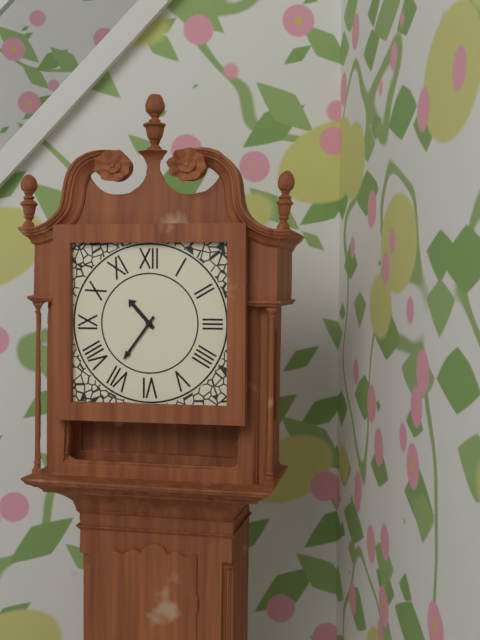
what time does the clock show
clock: 10:36
